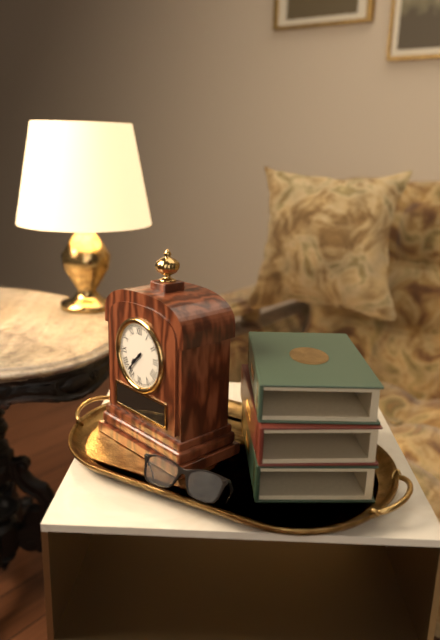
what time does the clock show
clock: 7:37
